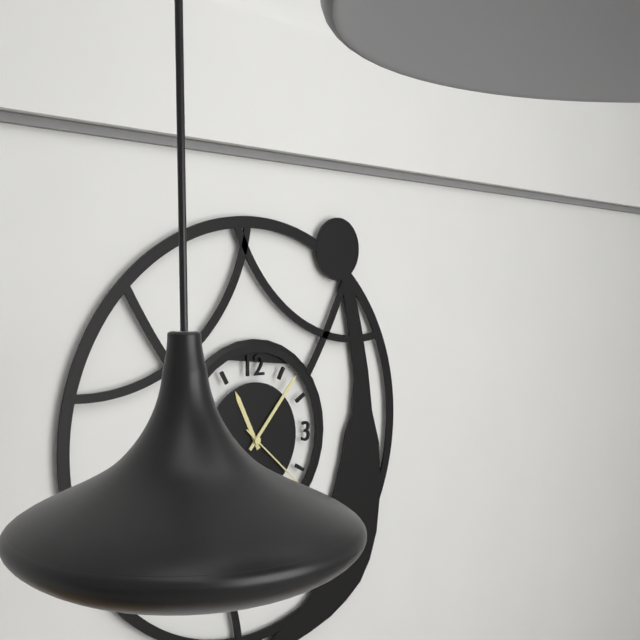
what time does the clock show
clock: 11:07:22
